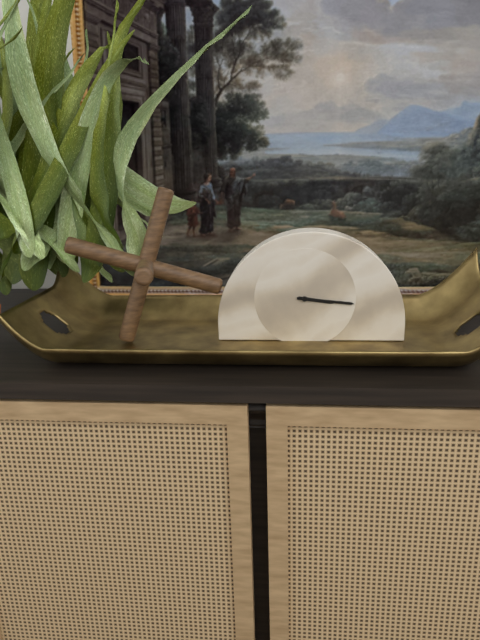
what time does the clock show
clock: 3:16
